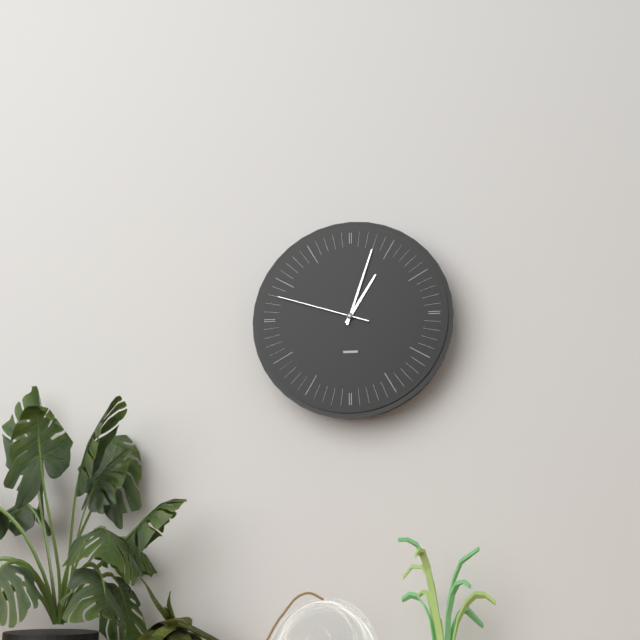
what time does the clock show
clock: 1:03:48
